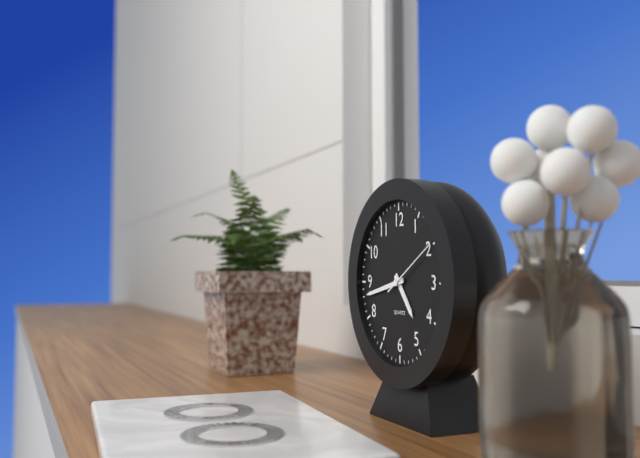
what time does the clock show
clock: 4:43:10
